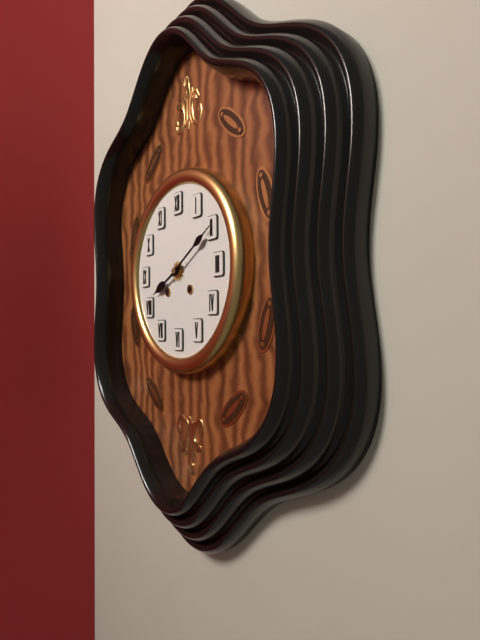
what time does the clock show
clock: 8:10
